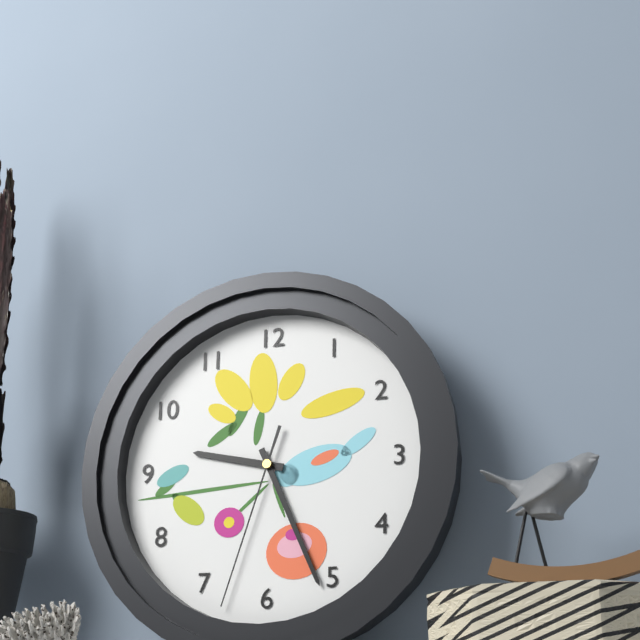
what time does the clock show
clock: 9:26:33
